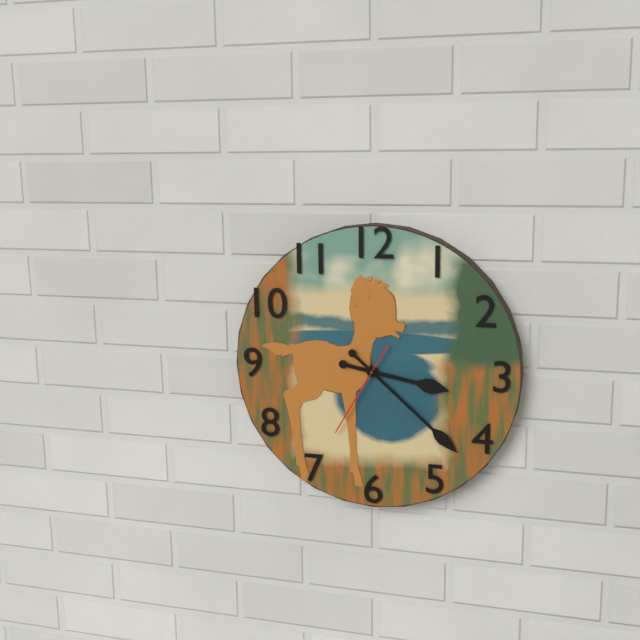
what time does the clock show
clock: 3:22:35
